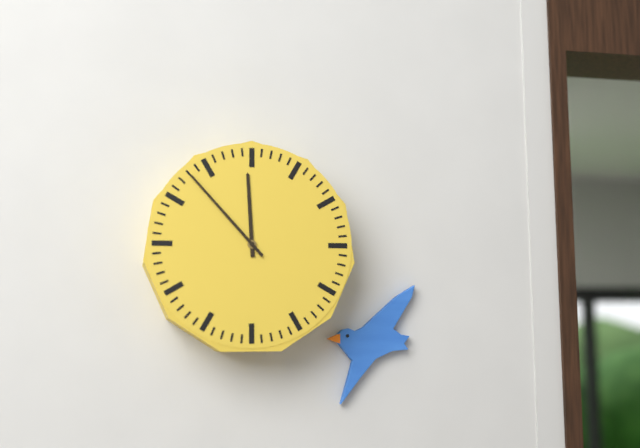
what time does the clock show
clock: 11:53
